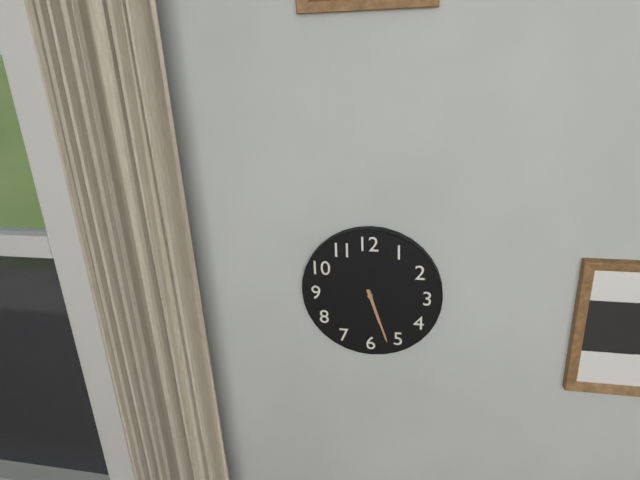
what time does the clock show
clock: 5:27
